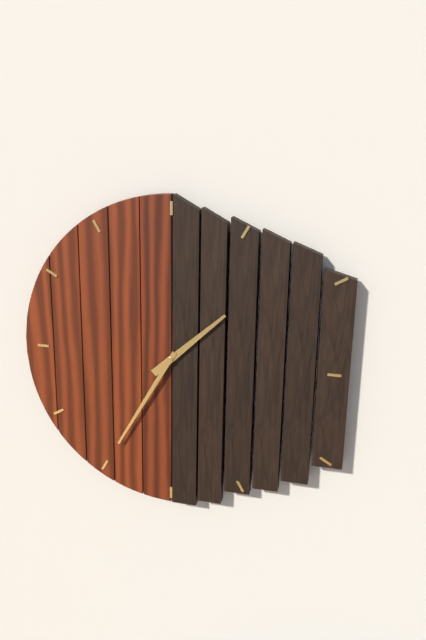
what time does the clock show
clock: 1:35
